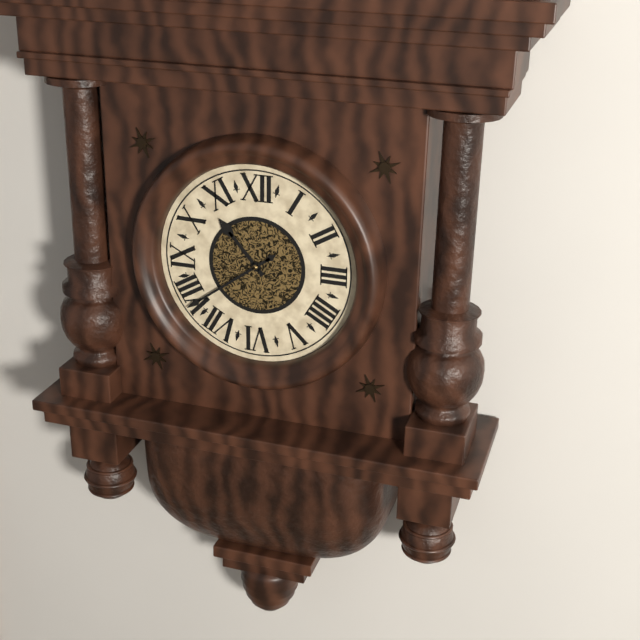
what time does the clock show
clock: 10:39
